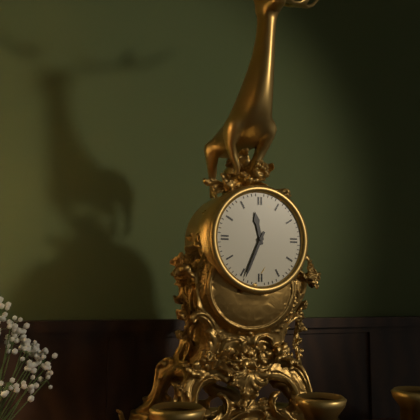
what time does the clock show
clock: 11:34
